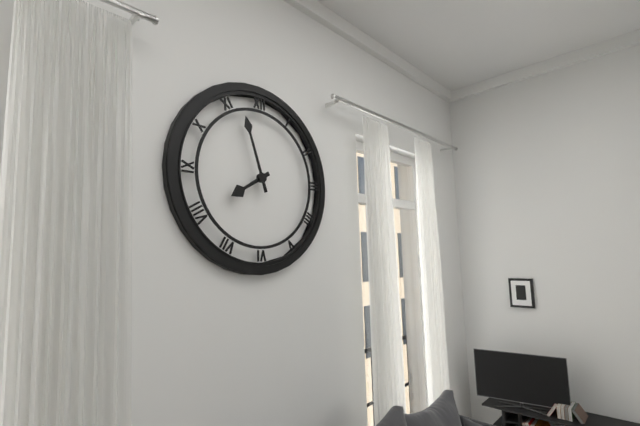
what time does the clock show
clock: 7:57
